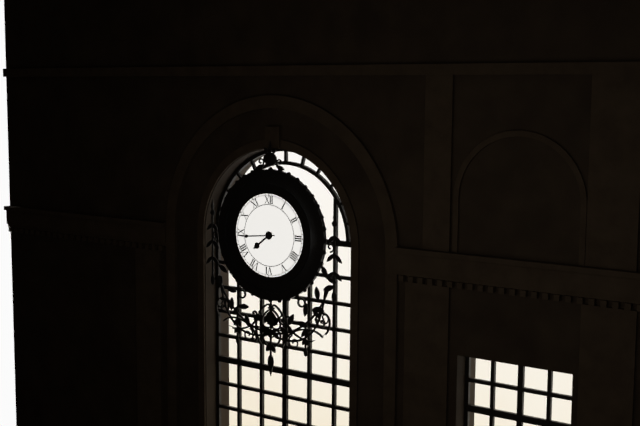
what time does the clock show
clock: 7:44
